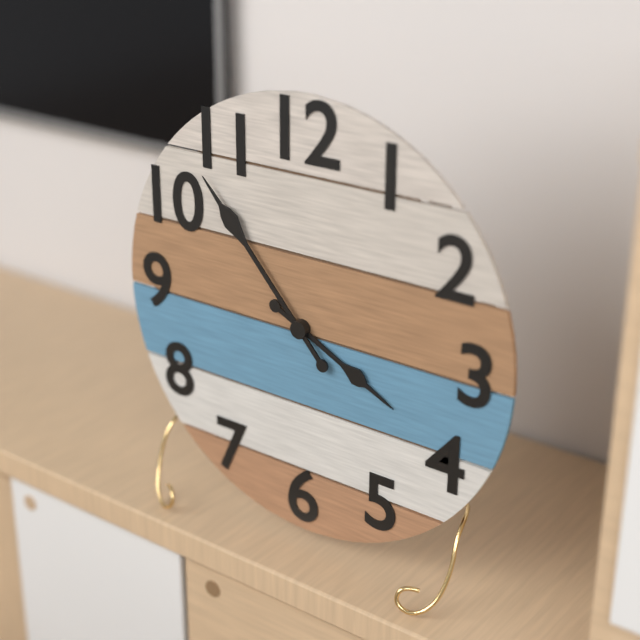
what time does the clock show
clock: 3:53
